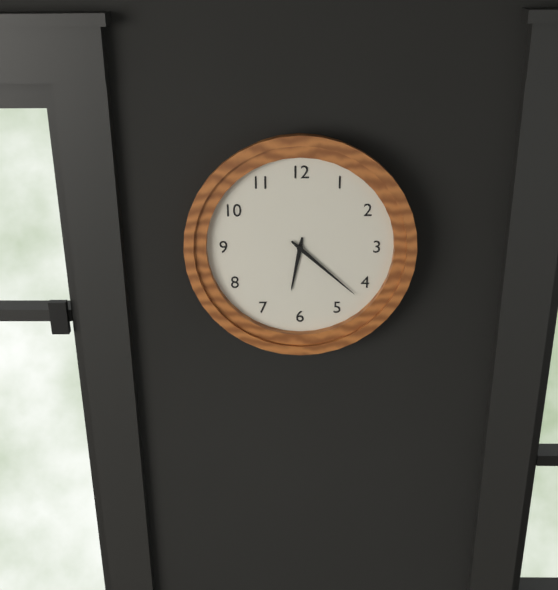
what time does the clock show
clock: 6:22
